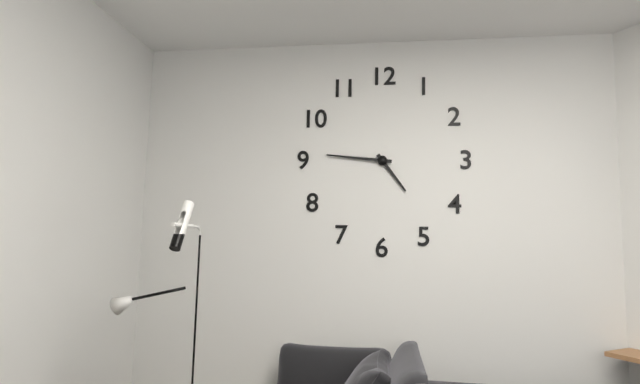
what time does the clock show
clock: 4:46
